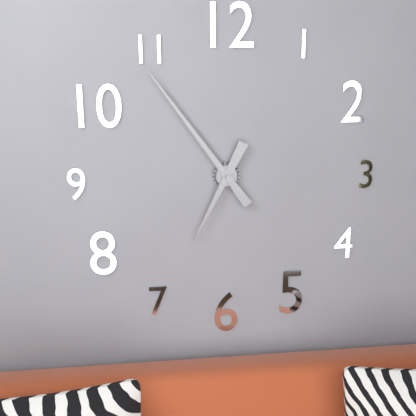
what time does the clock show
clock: 6:54
